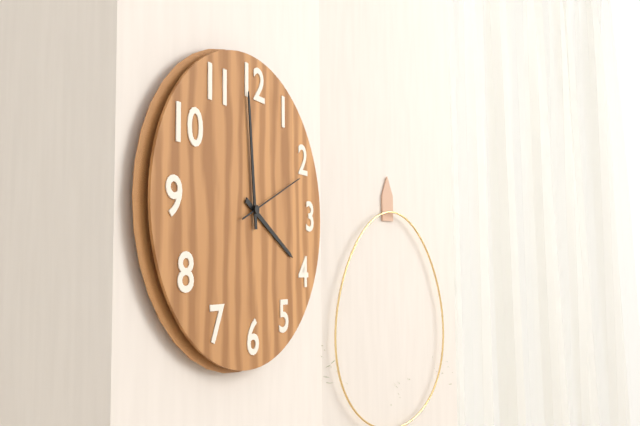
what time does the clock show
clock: 3:59:11
